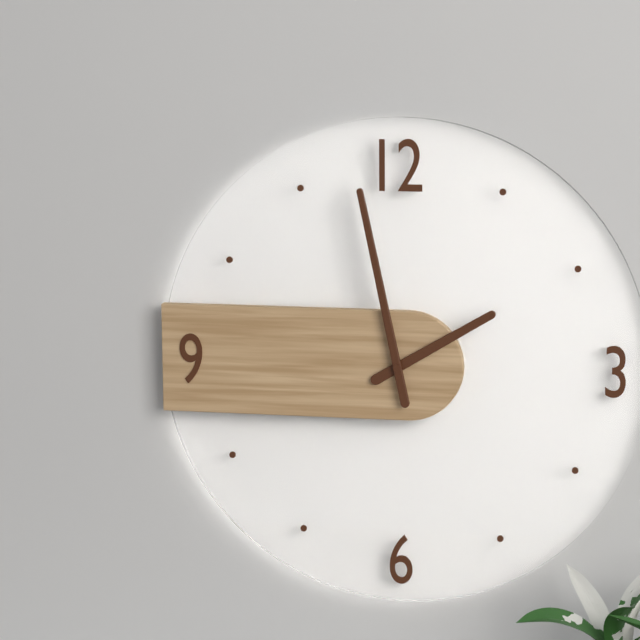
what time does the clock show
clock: 1:58
